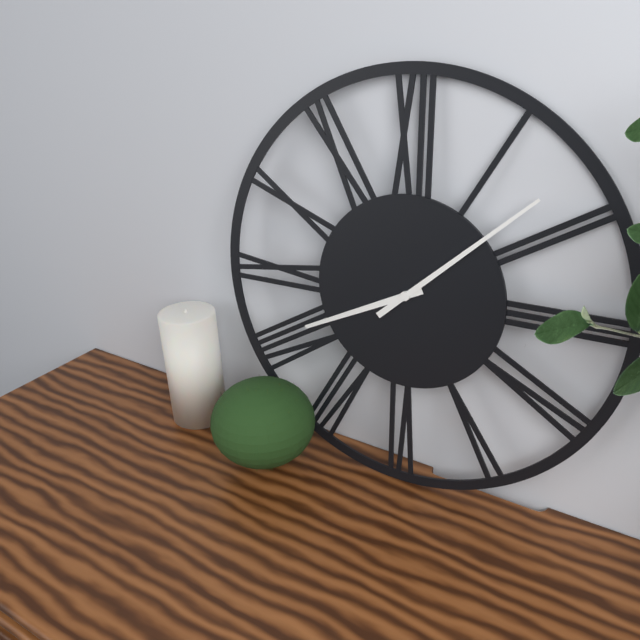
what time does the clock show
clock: 8:08
